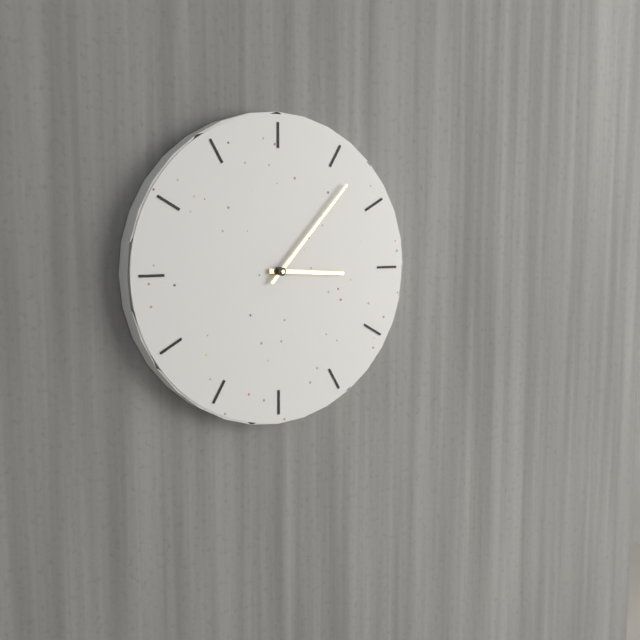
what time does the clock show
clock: 3:07
